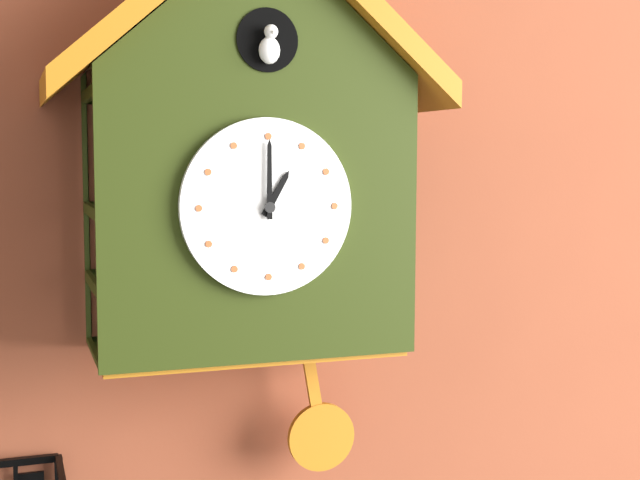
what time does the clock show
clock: 1:00
